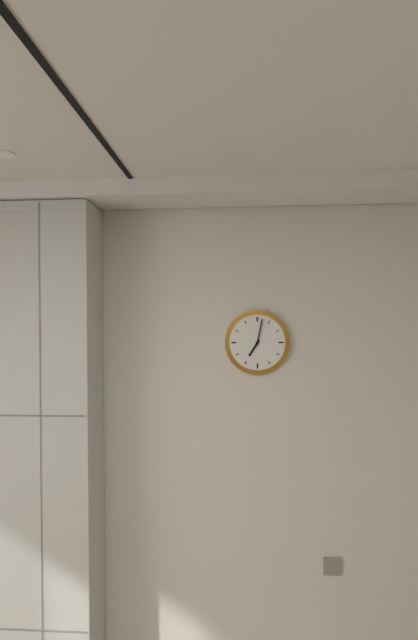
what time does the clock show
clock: 7:02
